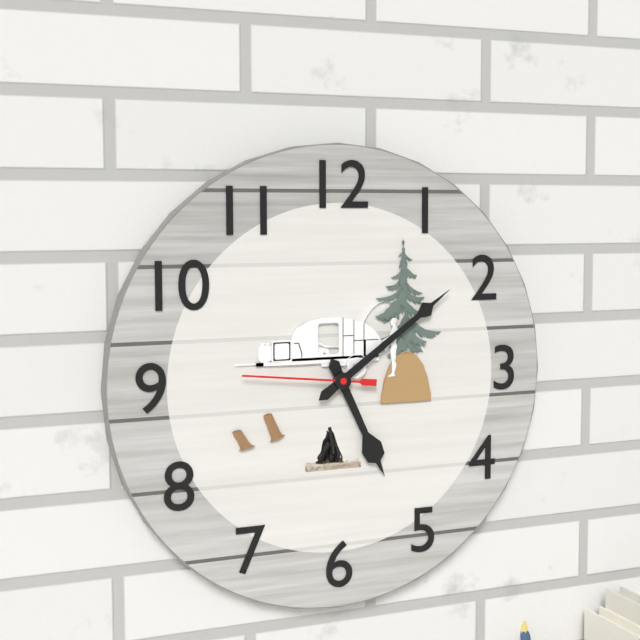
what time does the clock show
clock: 5:09:46
